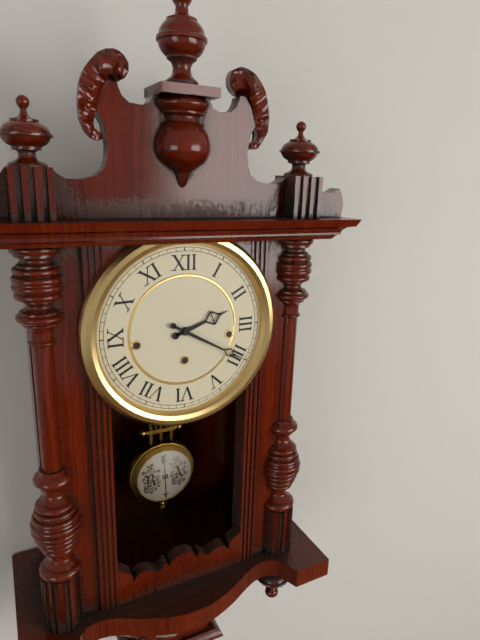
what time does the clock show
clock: 2:20
